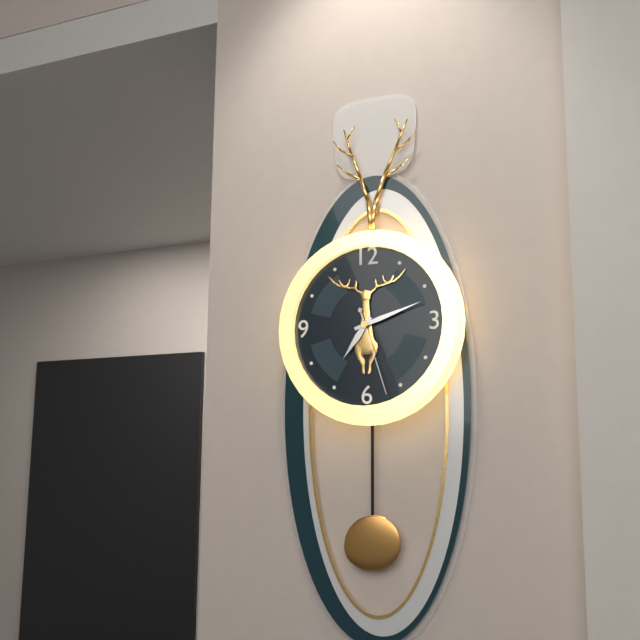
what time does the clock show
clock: 7:12:27
